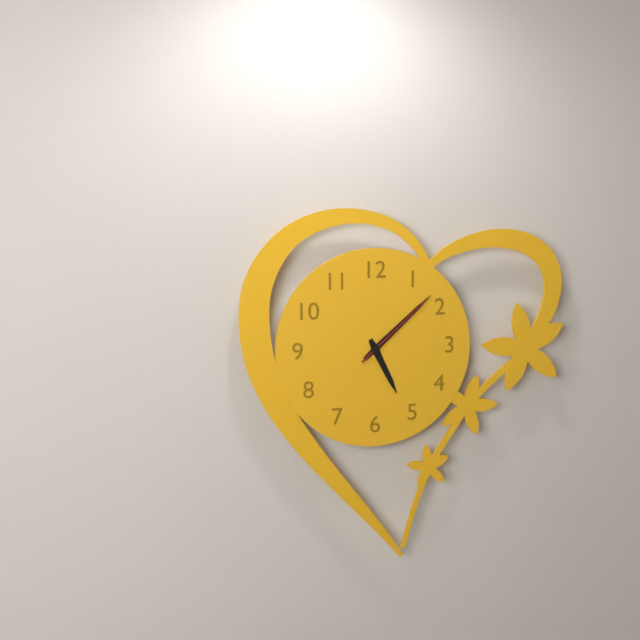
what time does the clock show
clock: 5:08:08
